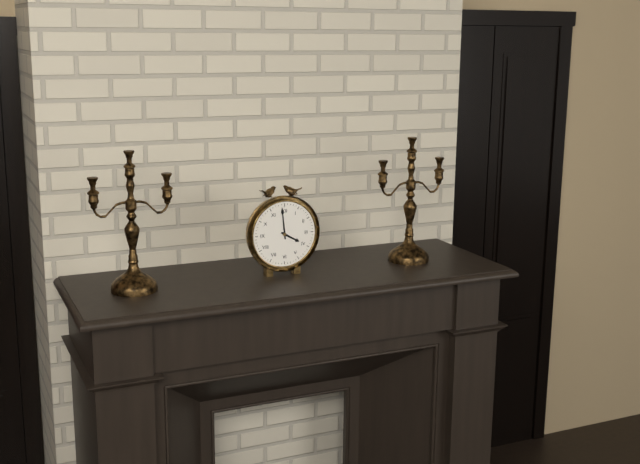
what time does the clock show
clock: 3:59
